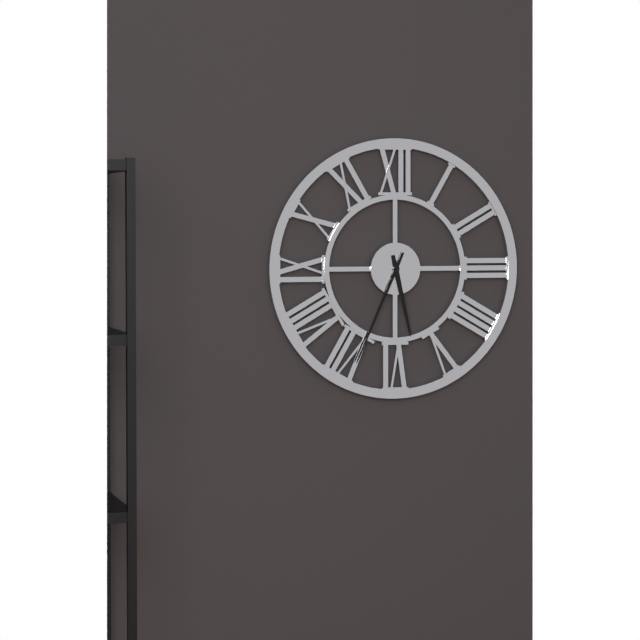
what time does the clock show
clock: 5:34
